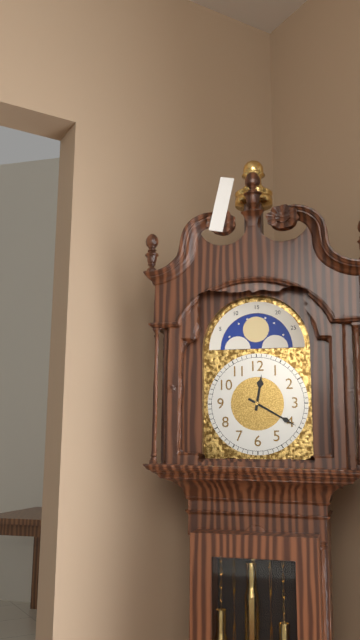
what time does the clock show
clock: 12:20
